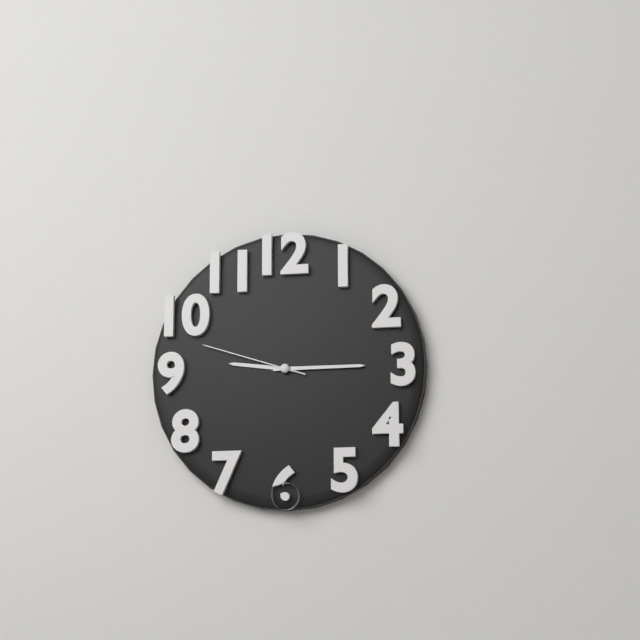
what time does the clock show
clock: 9:15:48
